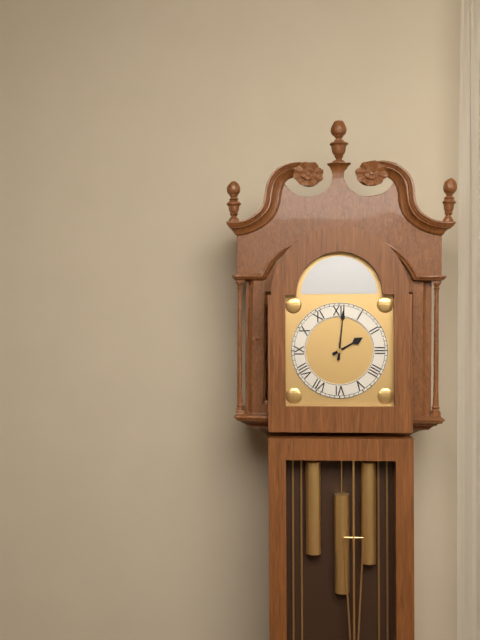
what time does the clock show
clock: 2:01
